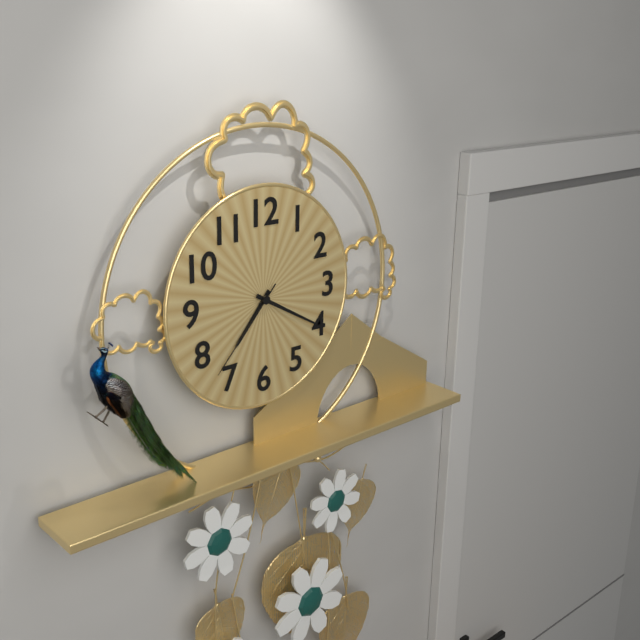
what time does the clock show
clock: 7:20:37
